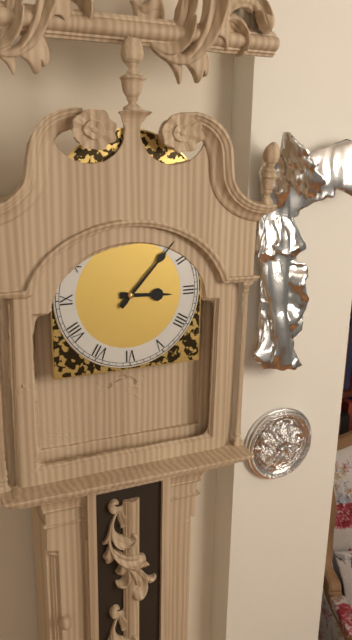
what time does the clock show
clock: 3:07
